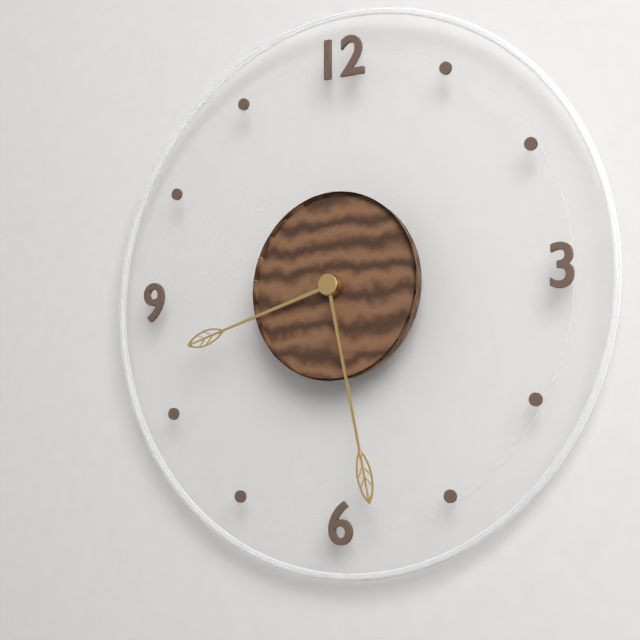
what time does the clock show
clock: 8:28
